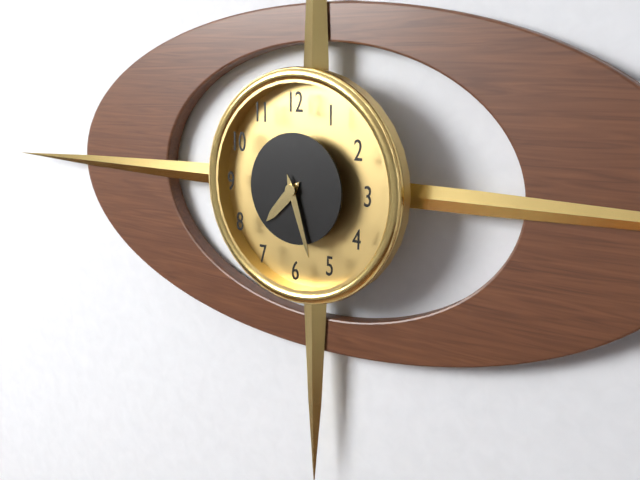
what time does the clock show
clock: 7:27
